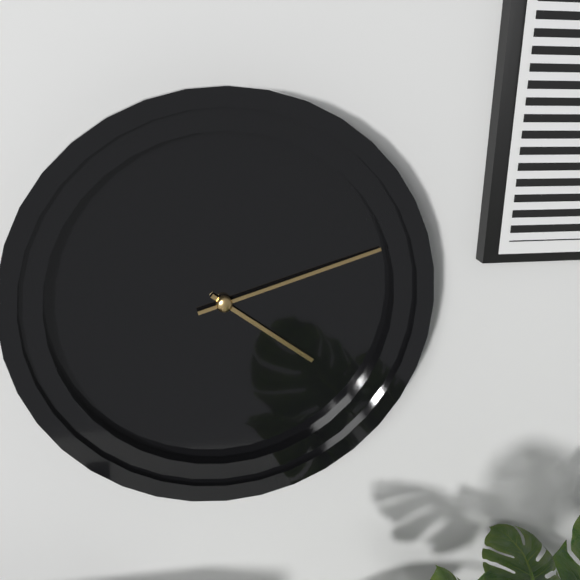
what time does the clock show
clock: 4:12
